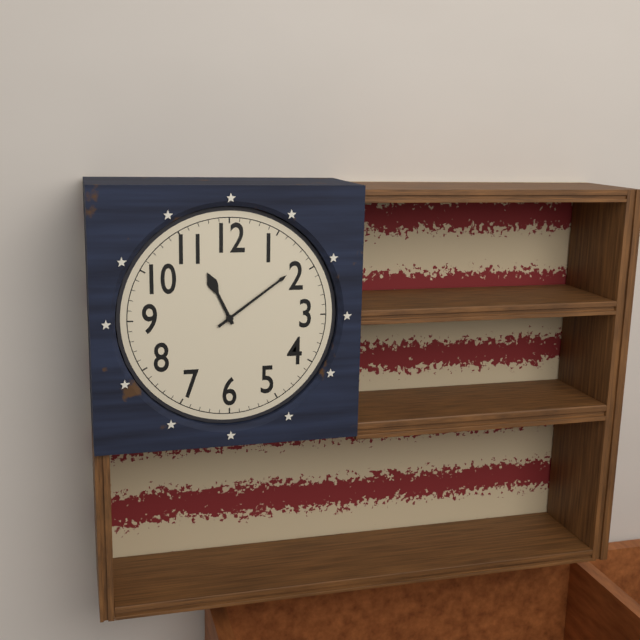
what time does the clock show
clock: 11:09
